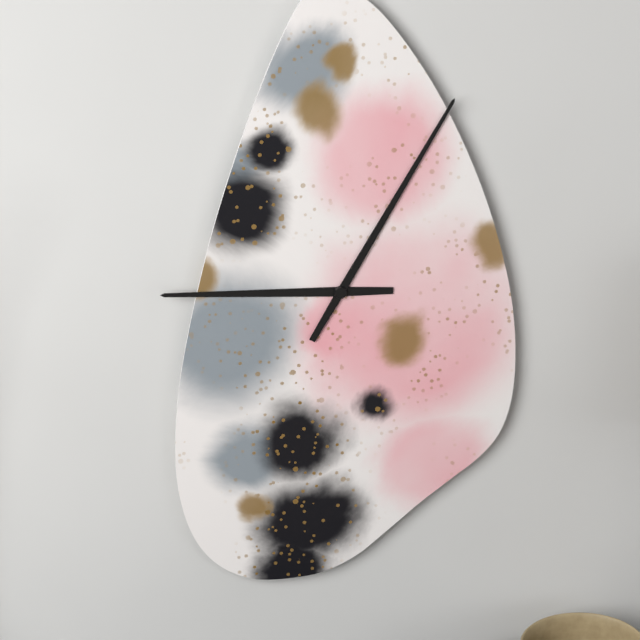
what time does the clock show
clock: 9:05
